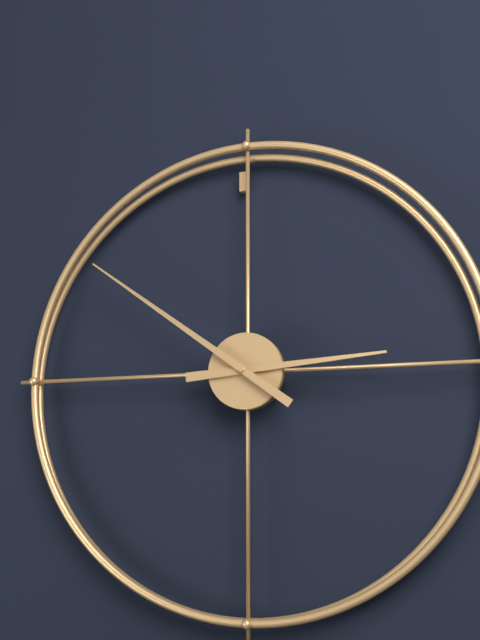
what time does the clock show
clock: 2:51
